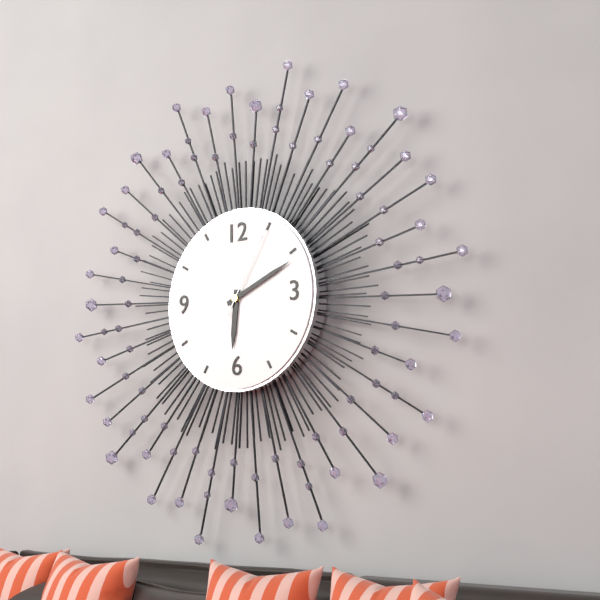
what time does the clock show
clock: 6:11:05
